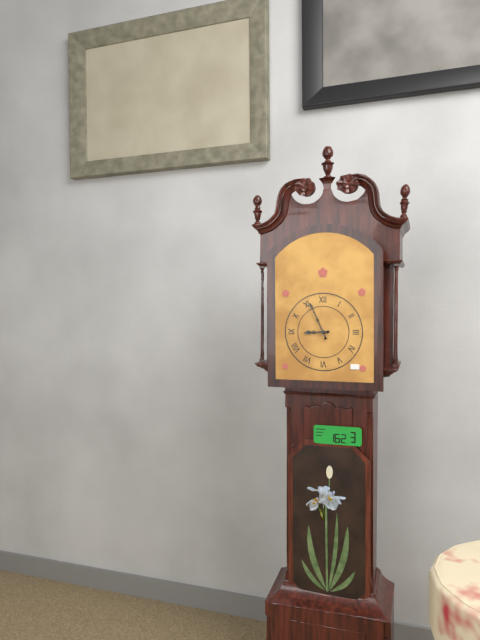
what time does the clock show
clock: 8:56
